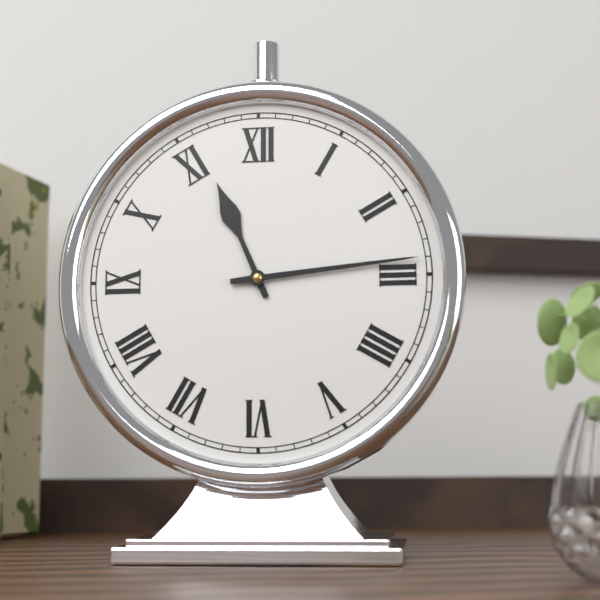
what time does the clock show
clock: 11:14
